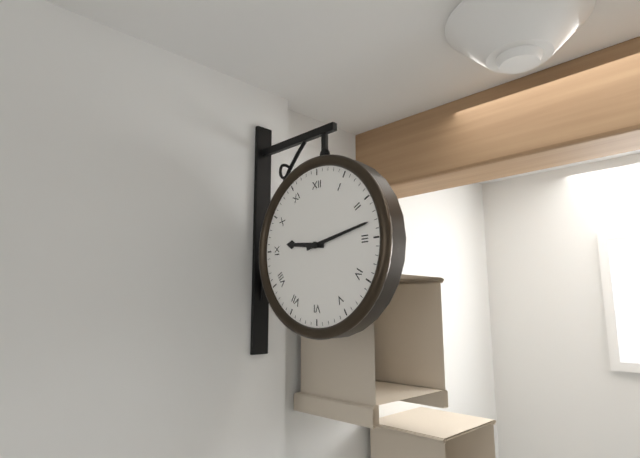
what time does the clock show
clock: 9:13
